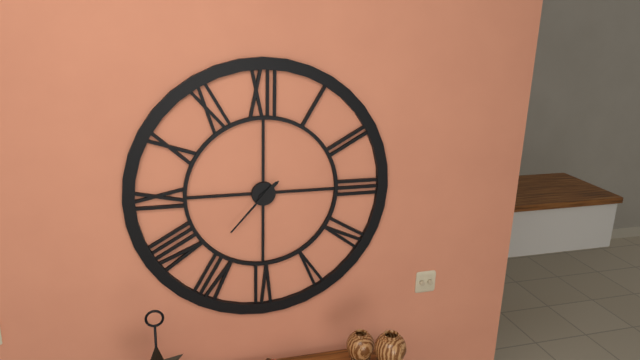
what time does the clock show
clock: 1:37
